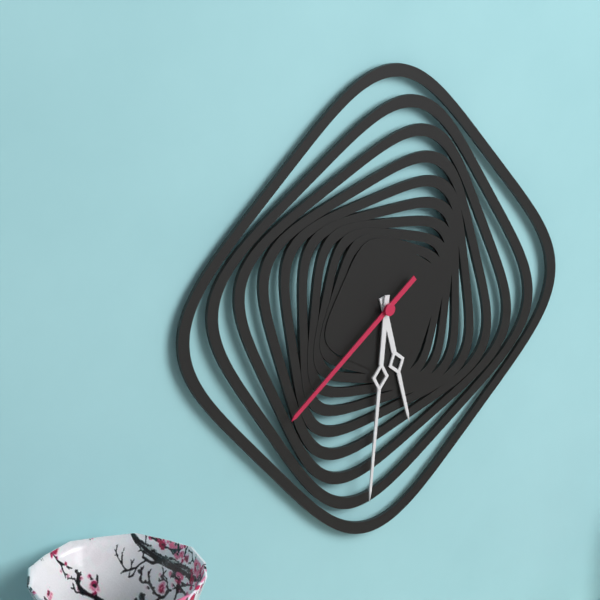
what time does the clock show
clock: 5:31:39
